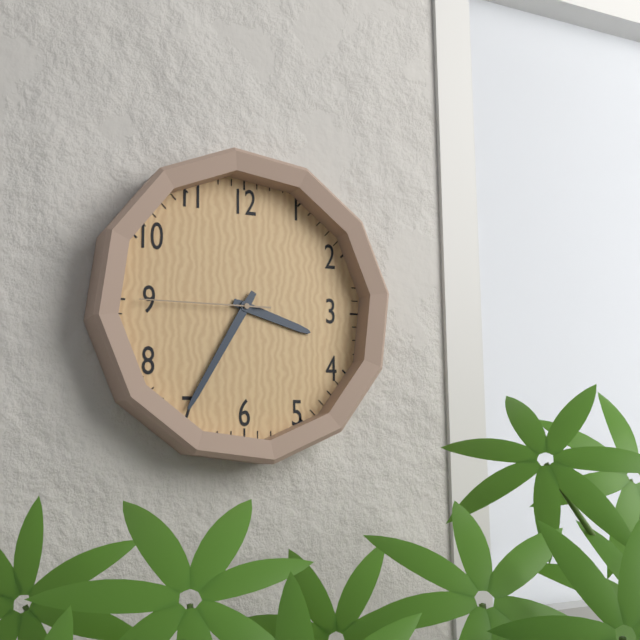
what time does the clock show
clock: 3:35:45
